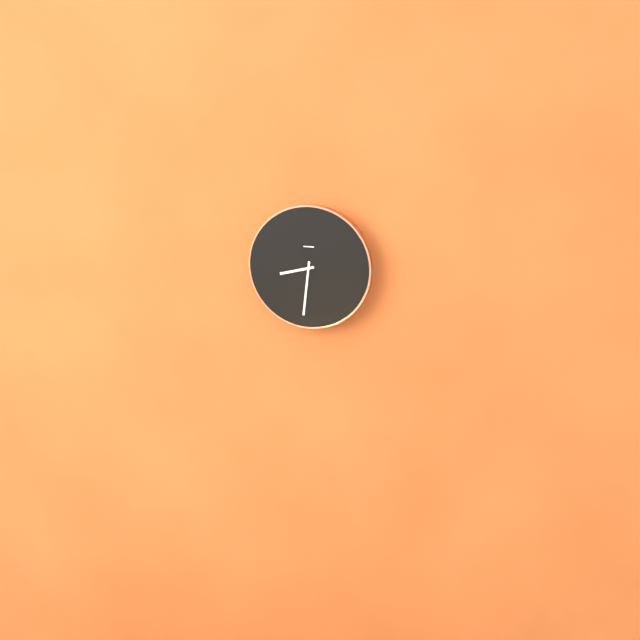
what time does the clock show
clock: 8:31
